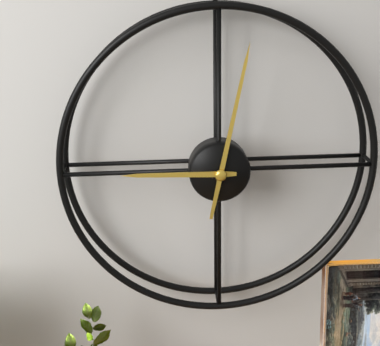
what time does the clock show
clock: 9:02
